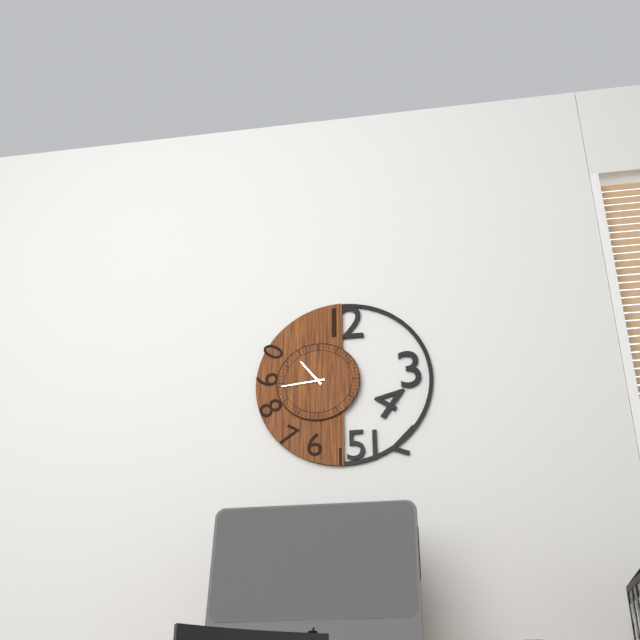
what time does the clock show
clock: 10:44
